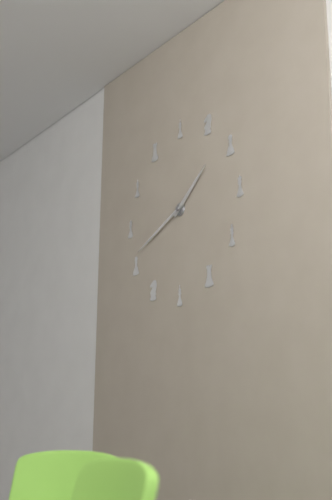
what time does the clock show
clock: 1:41
